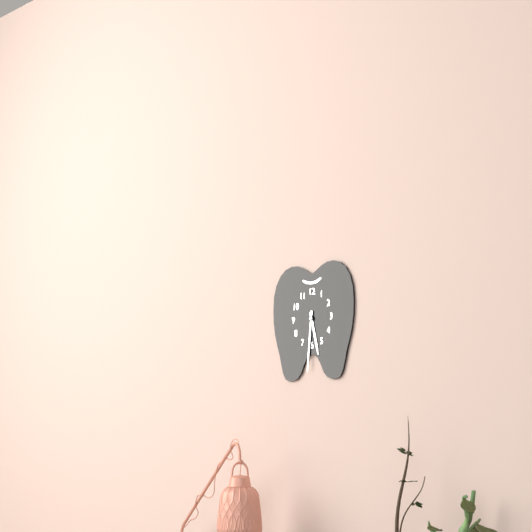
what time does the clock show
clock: 5:31
